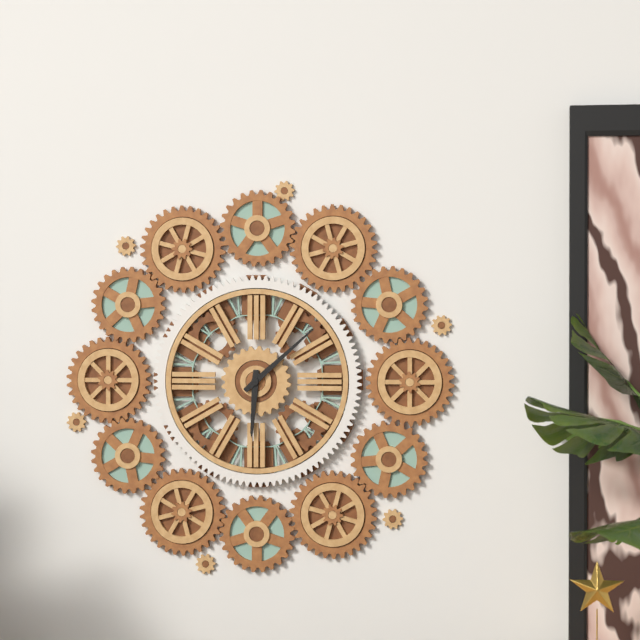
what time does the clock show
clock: 6:08
